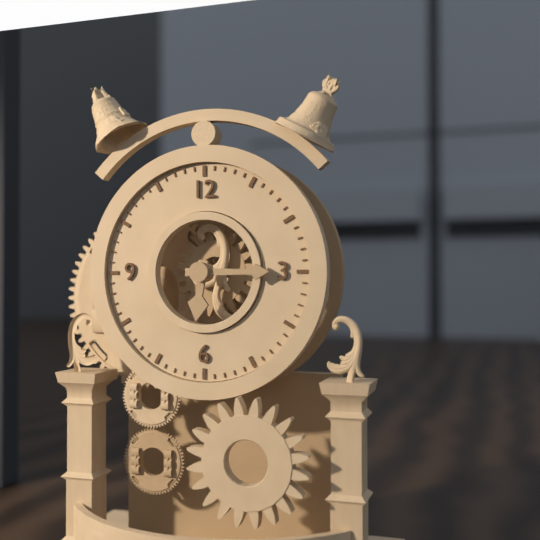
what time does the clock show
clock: 6:15
